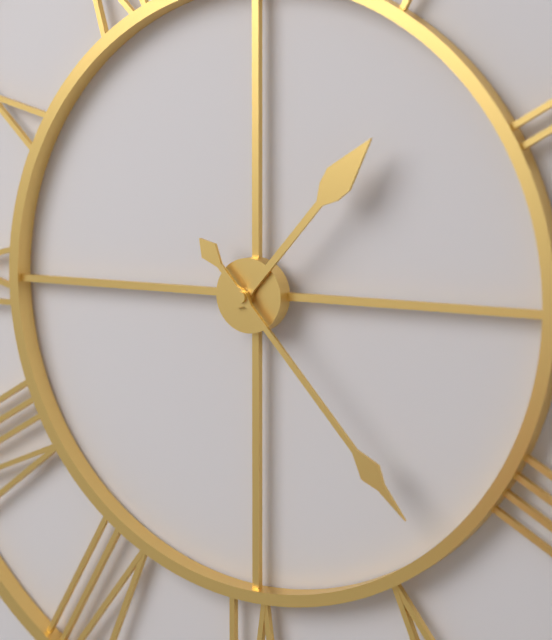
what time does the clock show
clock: 1:23
